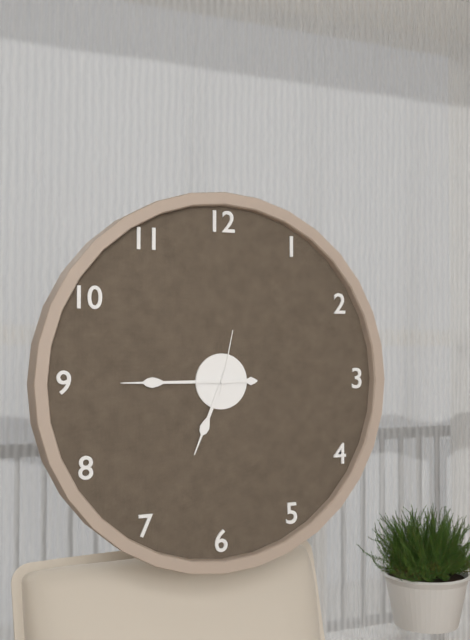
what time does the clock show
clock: 6:45:02
